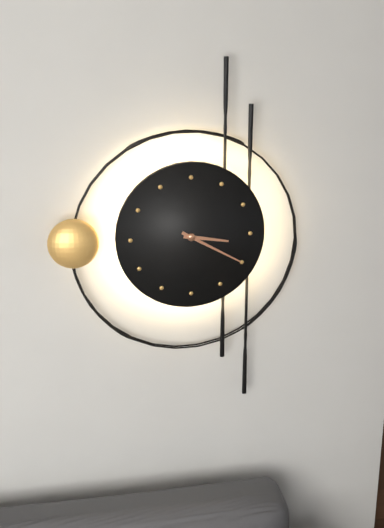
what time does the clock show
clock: 3:20
